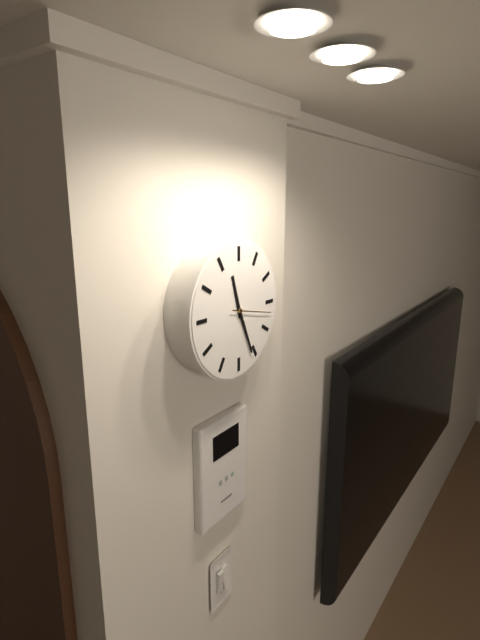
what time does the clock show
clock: 11:26
